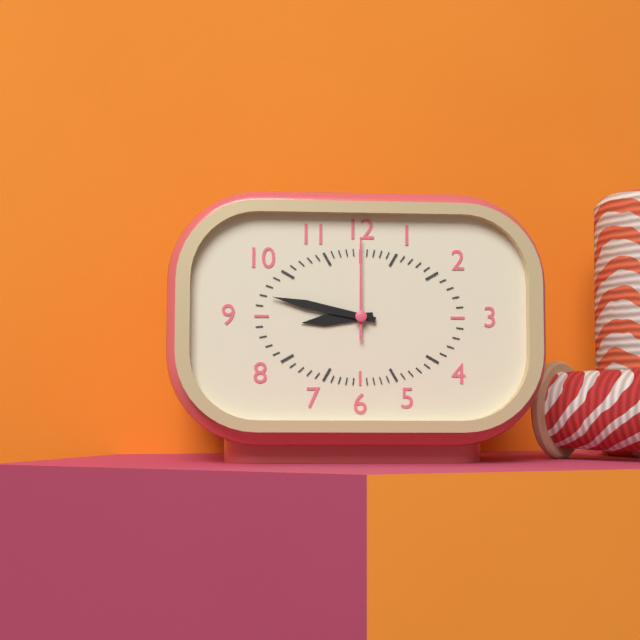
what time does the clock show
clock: 8:47:00
